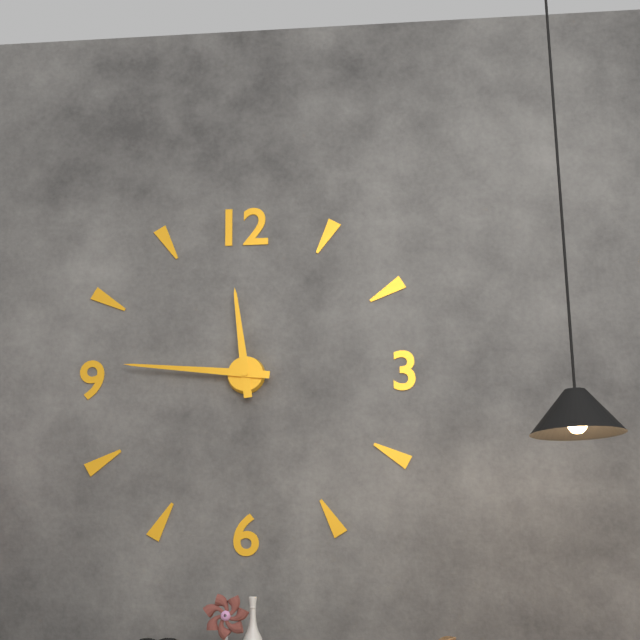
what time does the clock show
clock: 11:46
